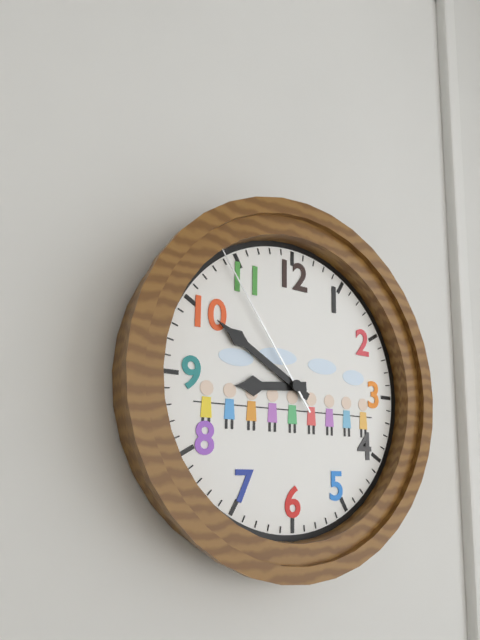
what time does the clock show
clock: 8:50:54
